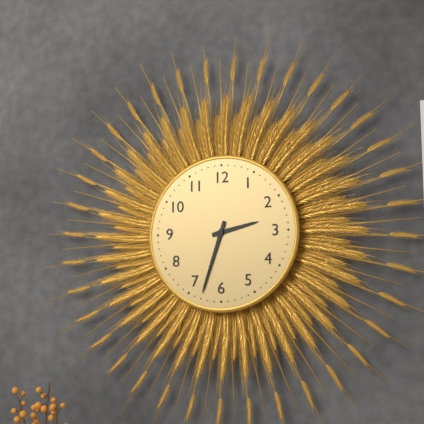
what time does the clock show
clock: 2:33
